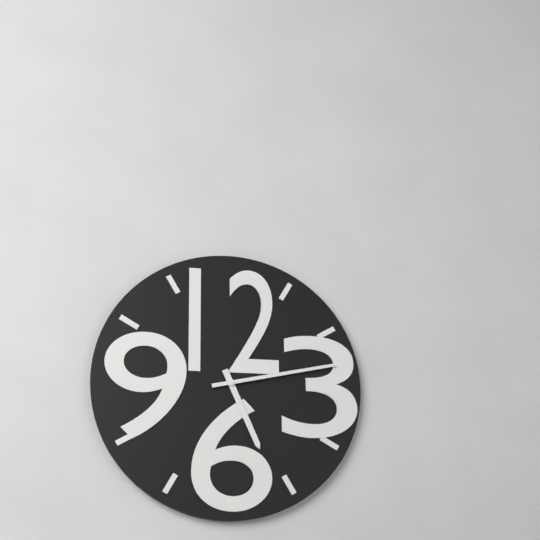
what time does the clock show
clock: 5:13
